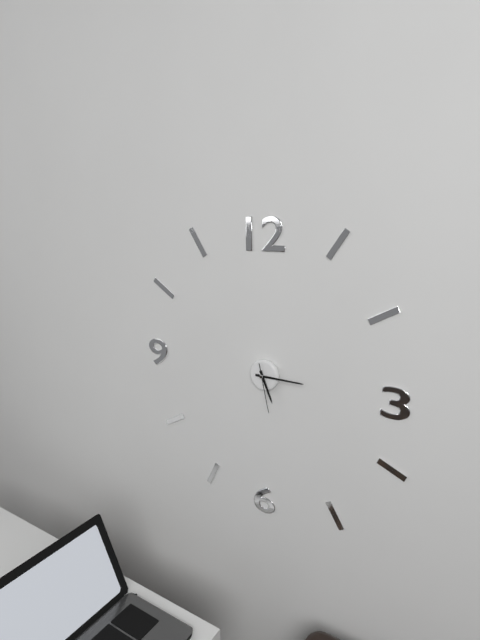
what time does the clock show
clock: 5:15
